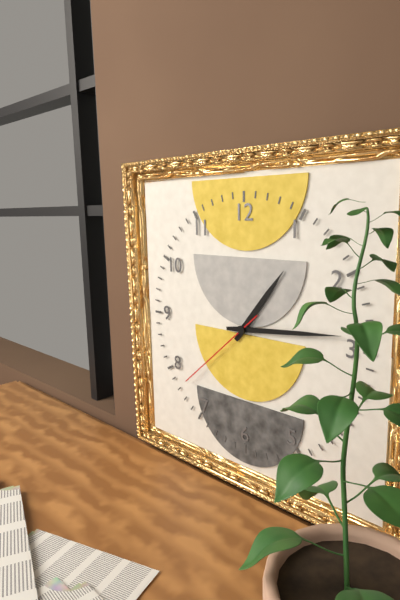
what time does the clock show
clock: 1:14:38
